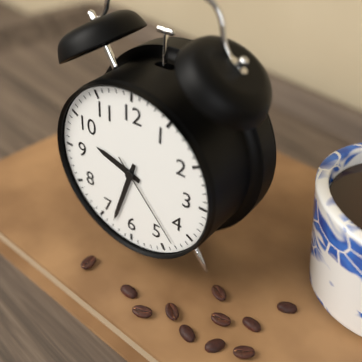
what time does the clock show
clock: 9:33:23
